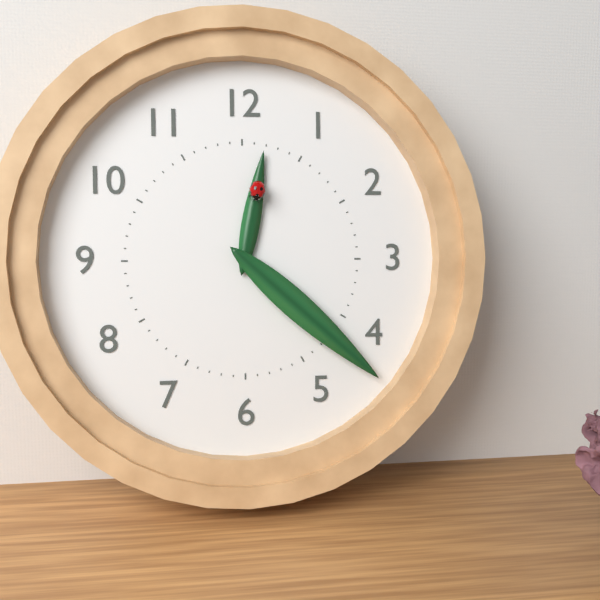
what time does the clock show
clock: 12:22
